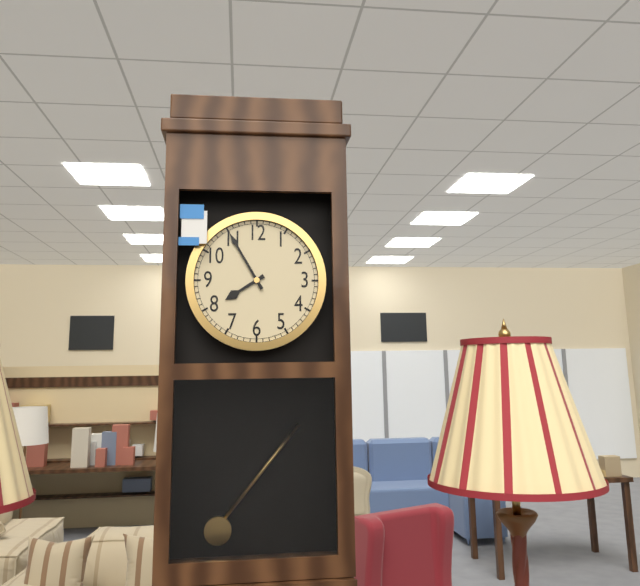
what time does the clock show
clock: 7:55
